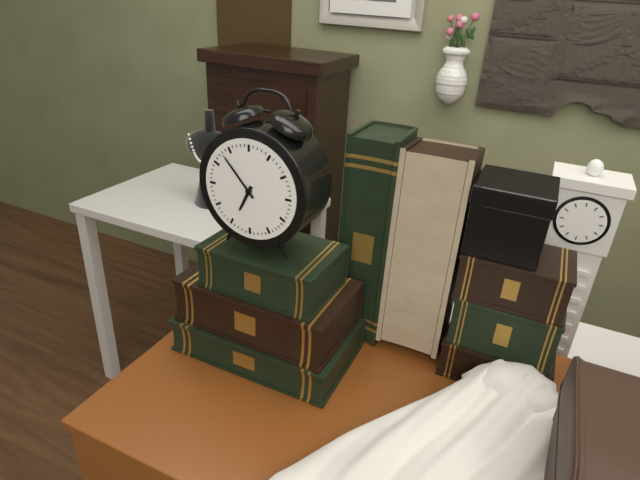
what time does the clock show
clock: 6:53
